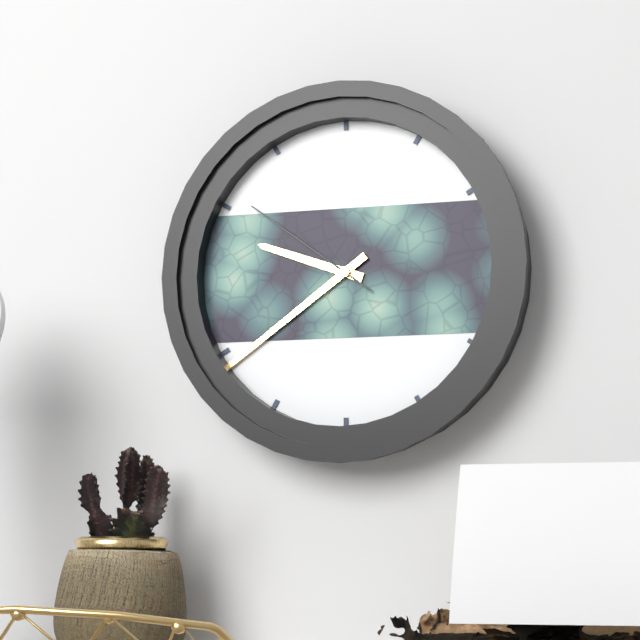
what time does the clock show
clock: 9:39:51
